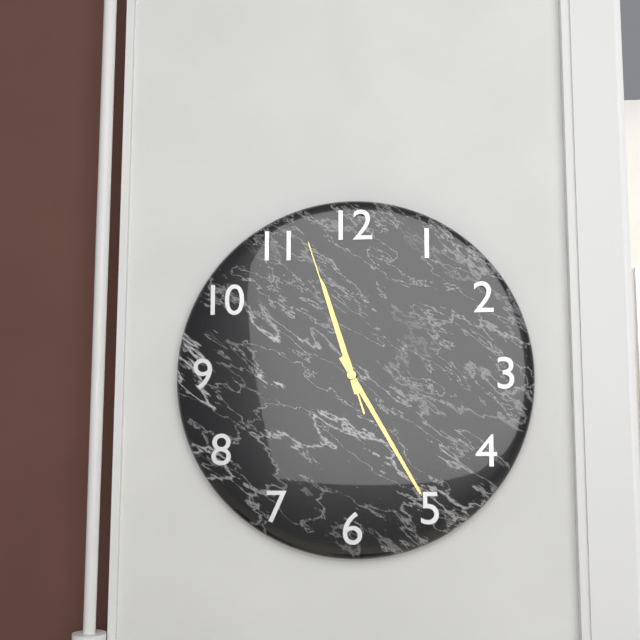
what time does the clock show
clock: 11:25:57
